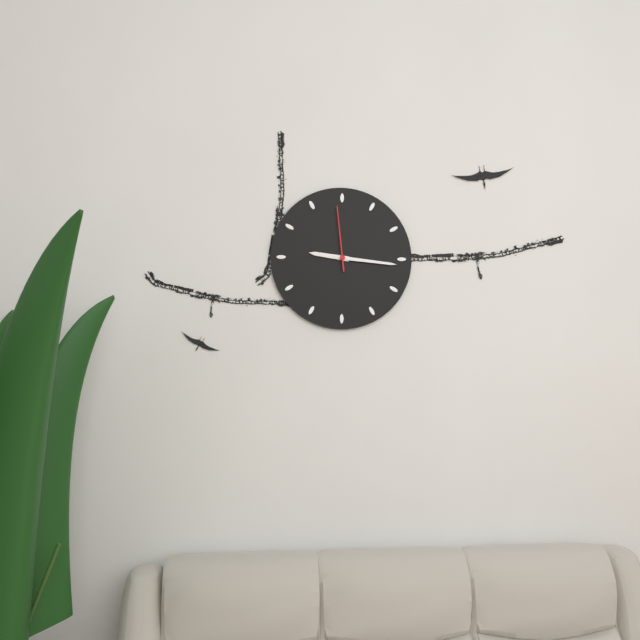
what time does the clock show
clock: 9:16:59
